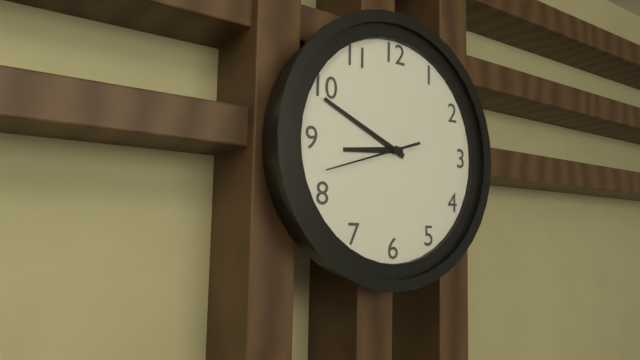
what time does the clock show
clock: 8:49:42
